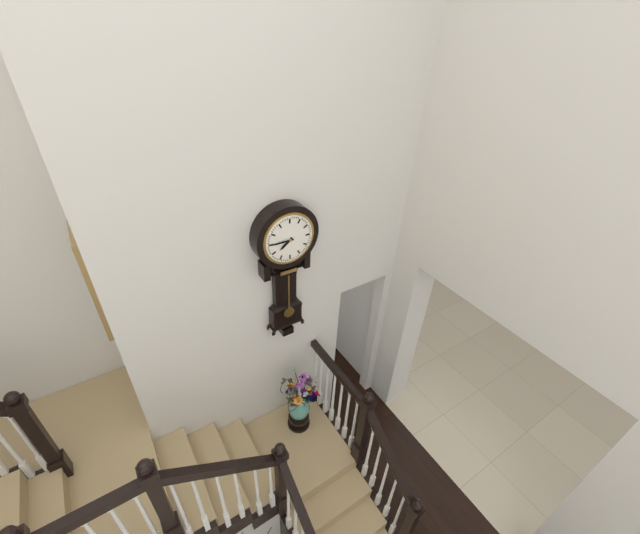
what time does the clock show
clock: 7:45
